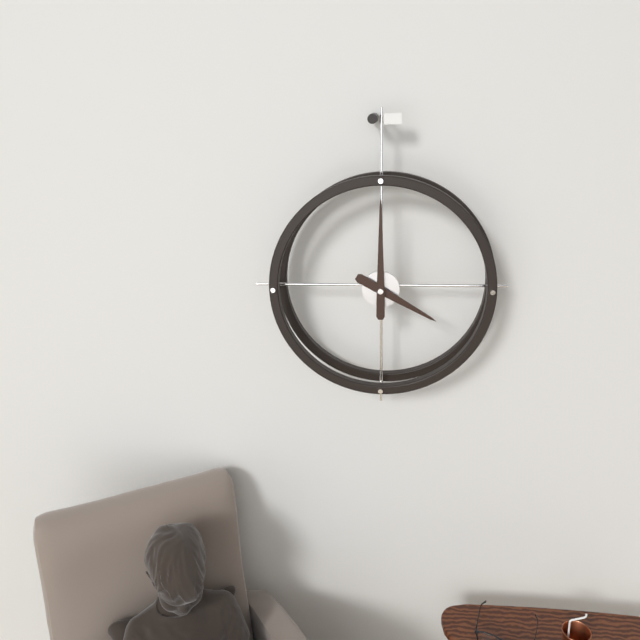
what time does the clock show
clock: 4:00
